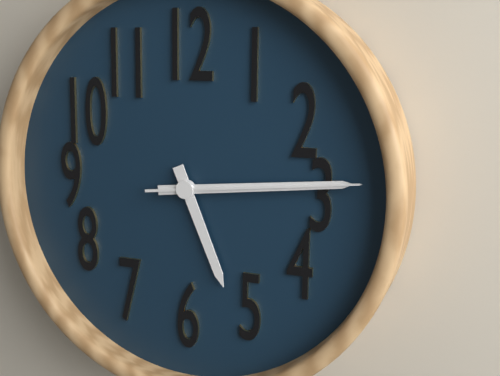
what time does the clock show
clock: 5:14:14
